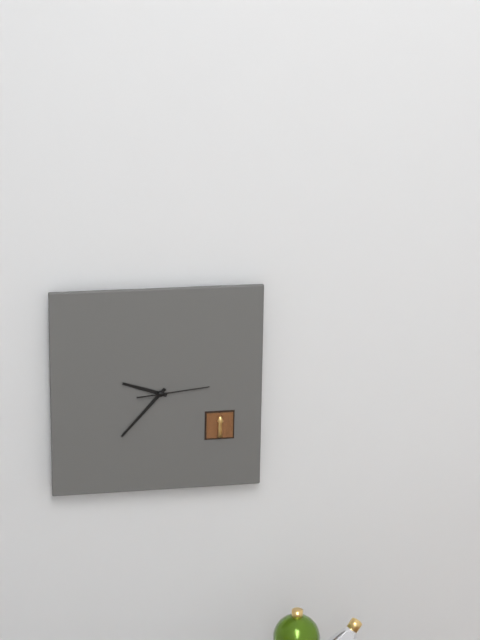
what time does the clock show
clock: 9:37:14
